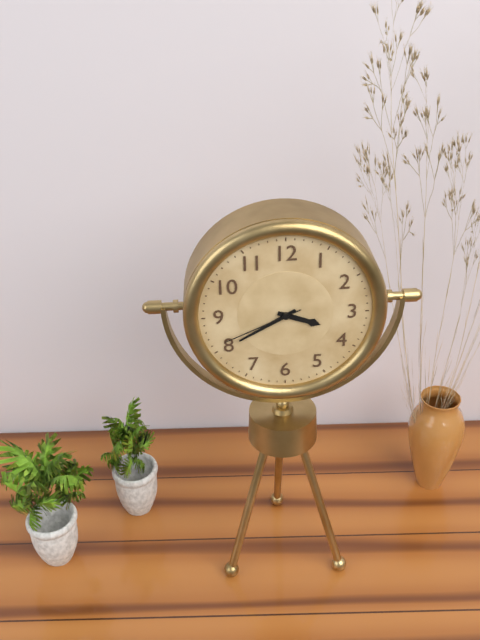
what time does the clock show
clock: 3:40:41
